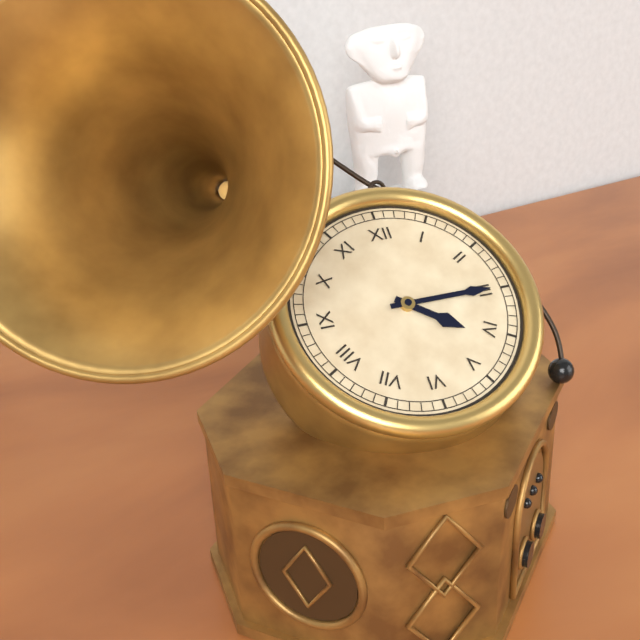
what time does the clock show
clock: 4:15
